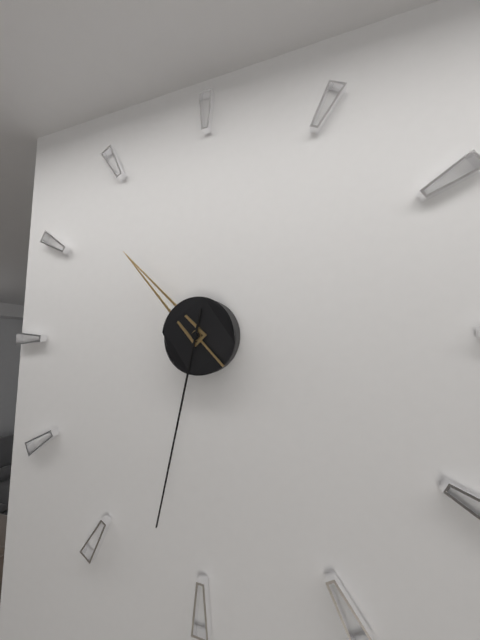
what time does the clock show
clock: 10:32
